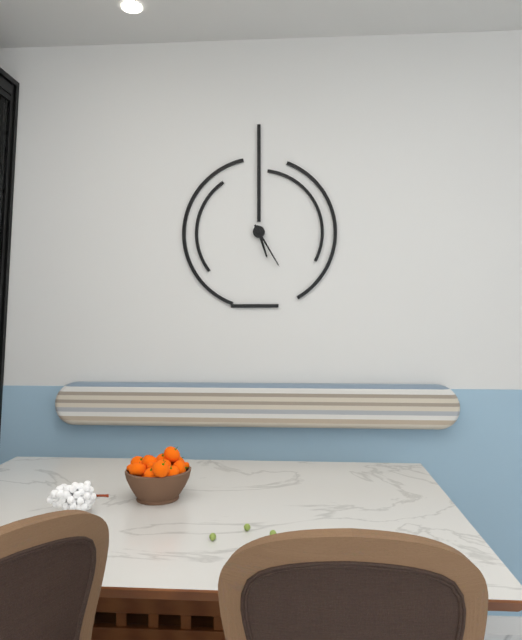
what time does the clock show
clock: 5:25
